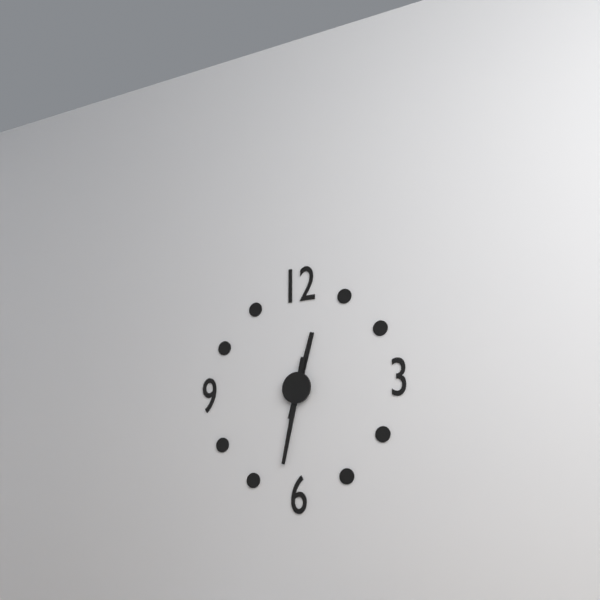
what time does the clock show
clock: 12:32
